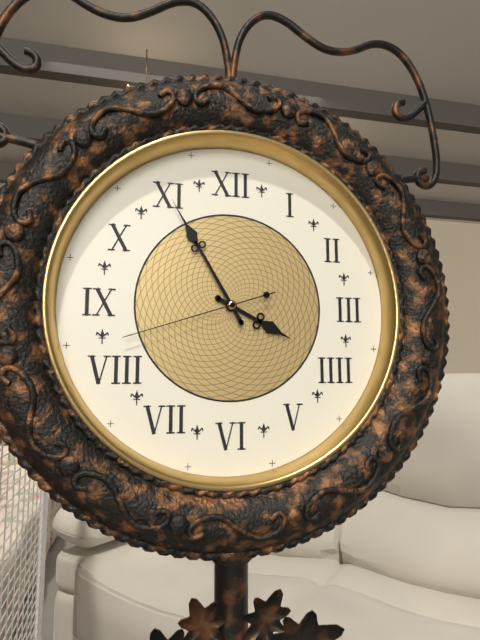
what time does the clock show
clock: 3:55:42
